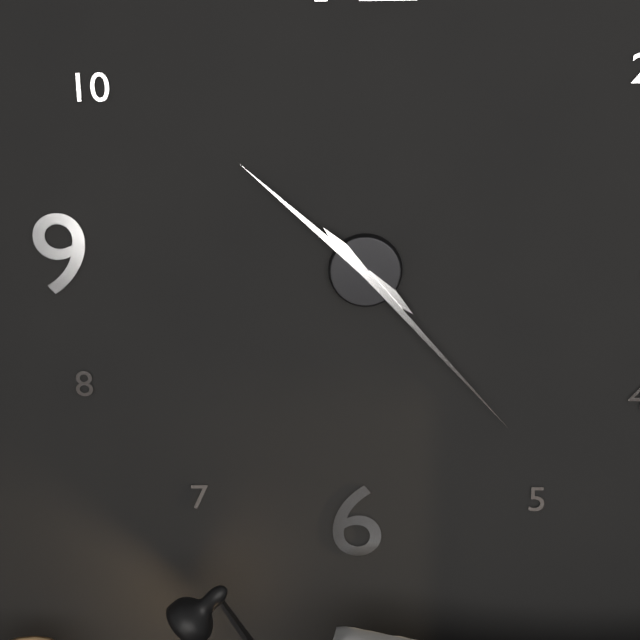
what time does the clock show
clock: 10:23
